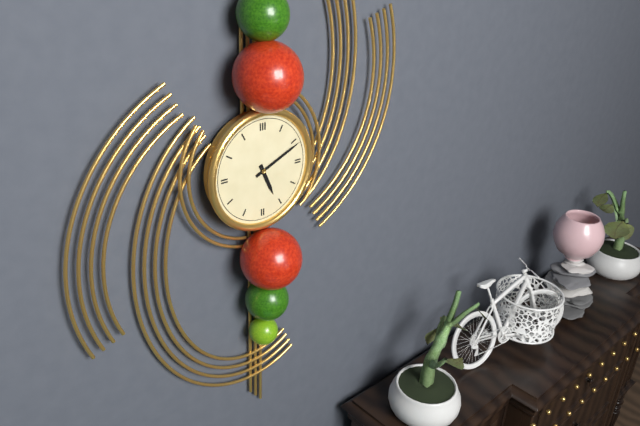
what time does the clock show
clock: 5:11
